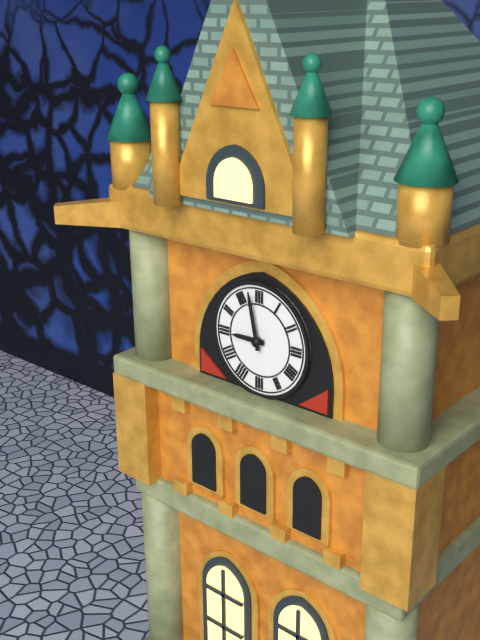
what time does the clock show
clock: 8:58
